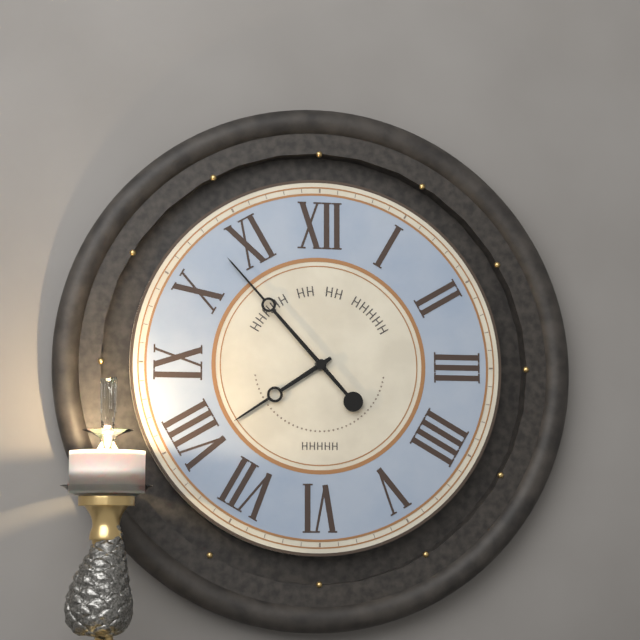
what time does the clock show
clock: 7:53
